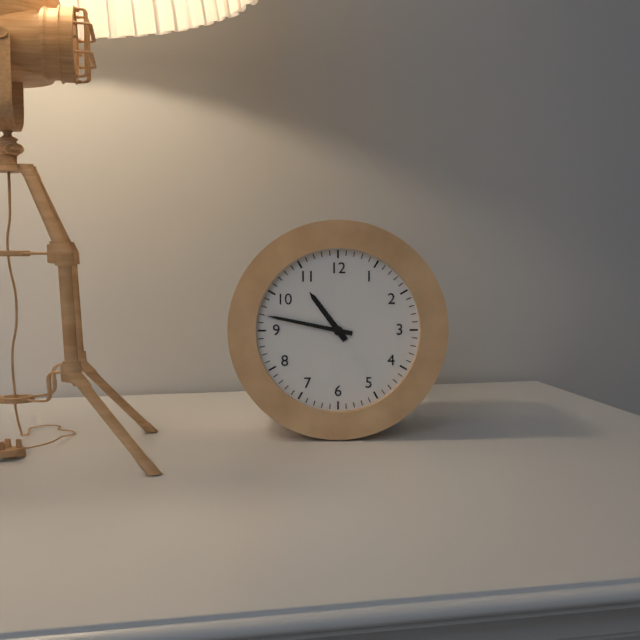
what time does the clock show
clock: 10:47
